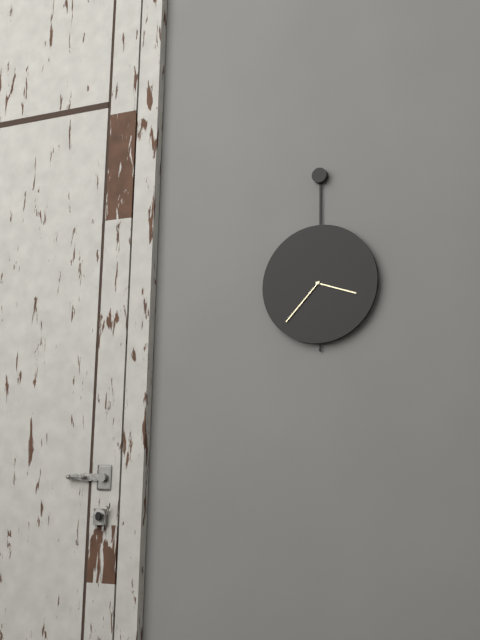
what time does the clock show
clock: 3:37
